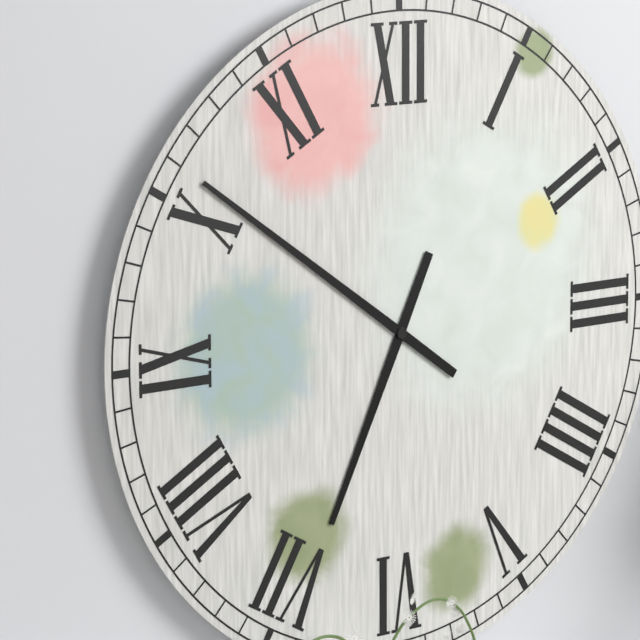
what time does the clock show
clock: 6:51
